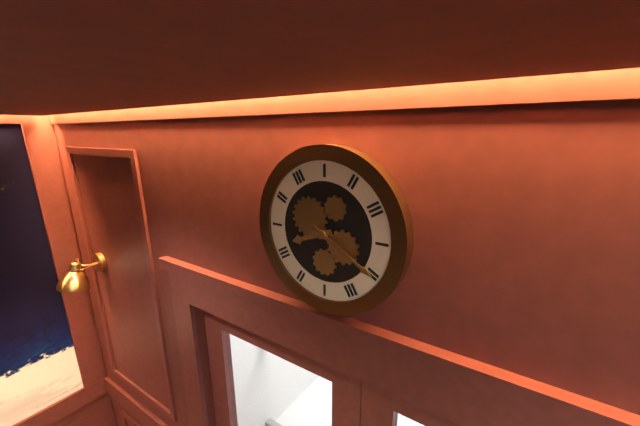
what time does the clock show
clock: 8:20
